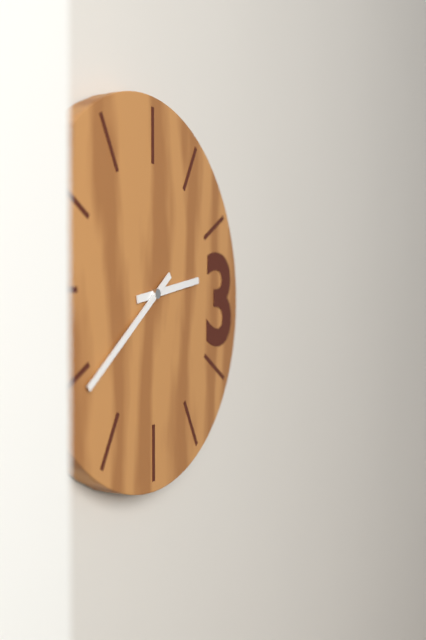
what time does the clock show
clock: 2:39
